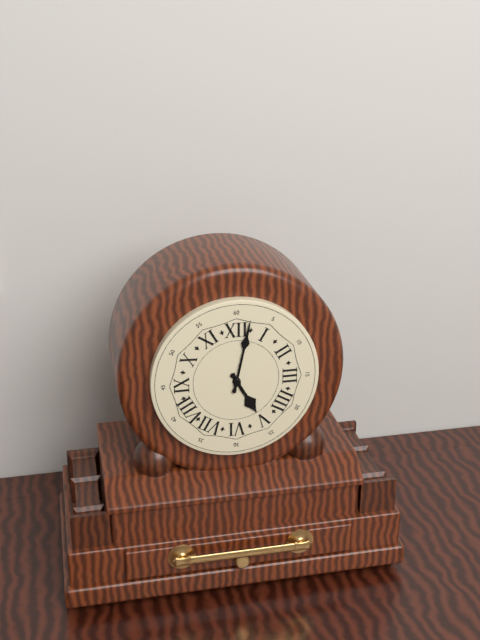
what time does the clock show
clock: 5:02
